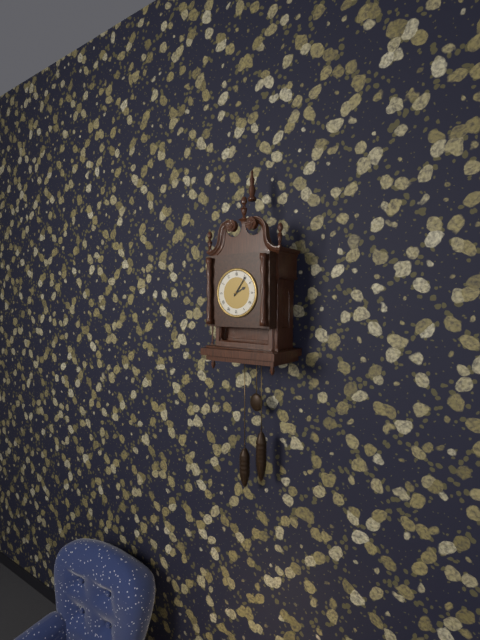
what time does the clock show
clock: 2:06
